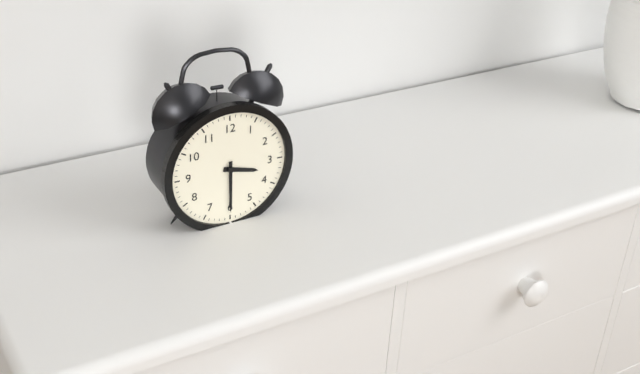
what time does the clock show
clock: 3:30
